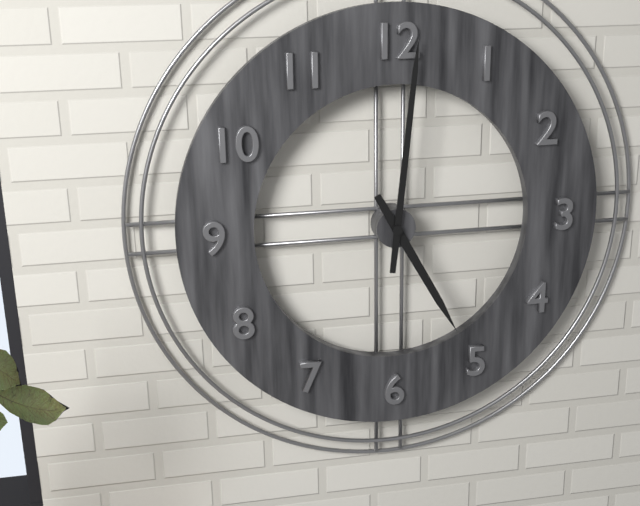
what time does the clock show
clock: 5:01
